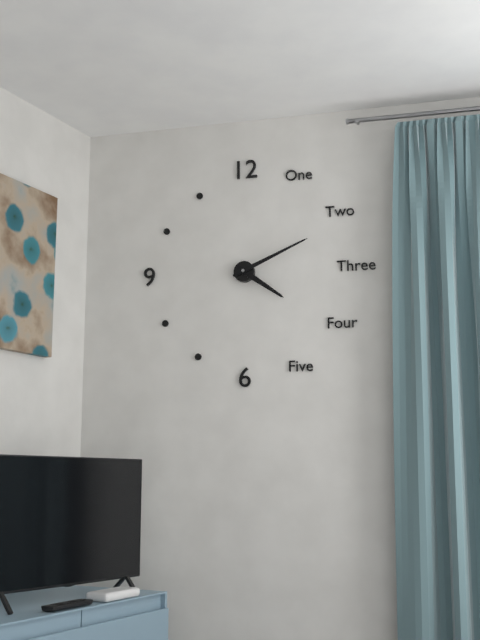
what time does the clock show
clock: 4:11
